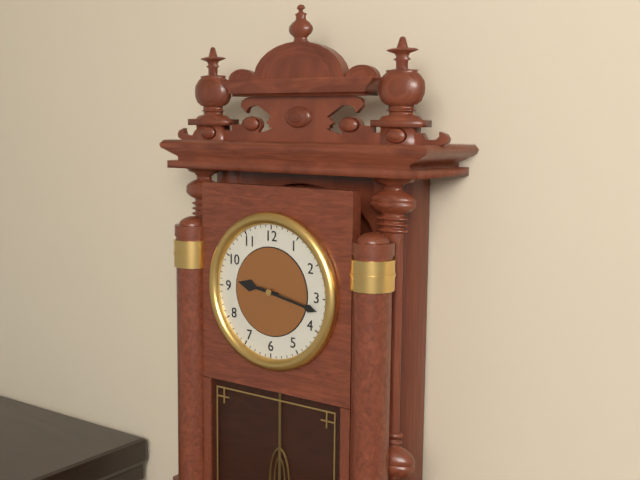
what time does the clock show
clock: 9:17
